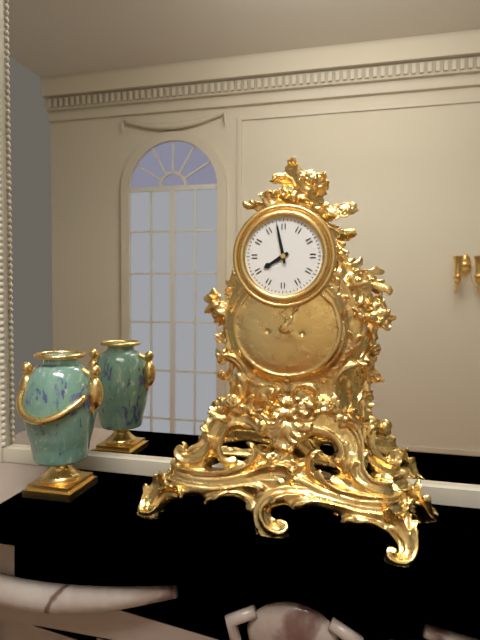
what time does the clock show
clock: 7:58
